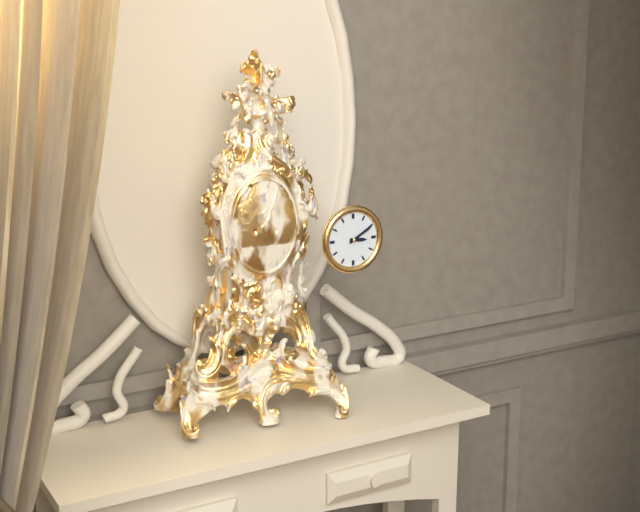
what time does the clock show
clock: 3:10
